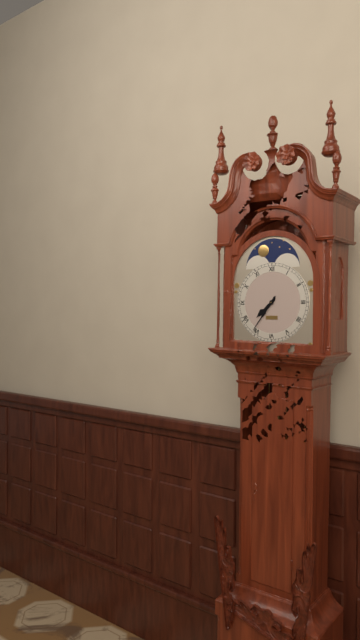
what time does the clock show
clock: 7:36
